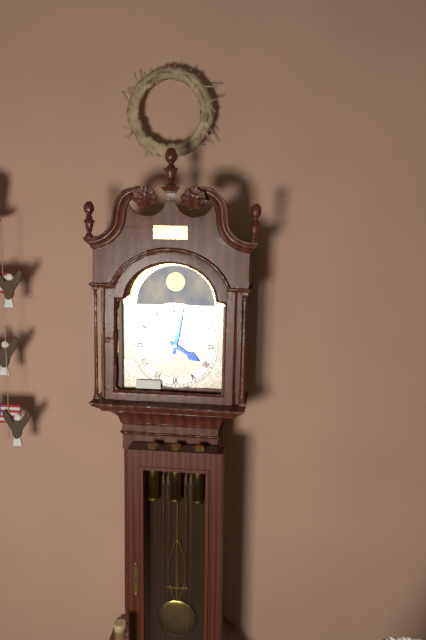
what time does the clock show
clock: 4:02
